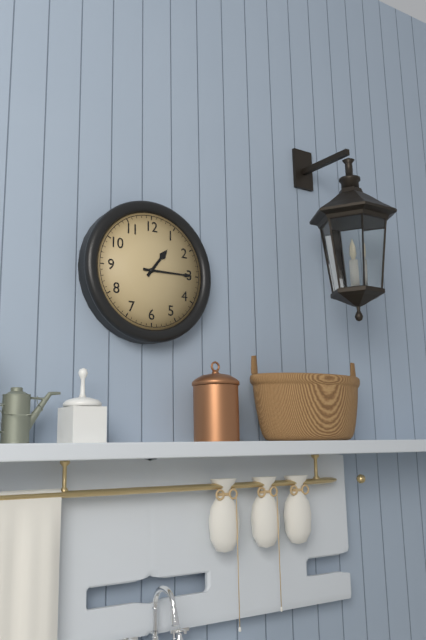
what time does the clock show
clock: 1:15
